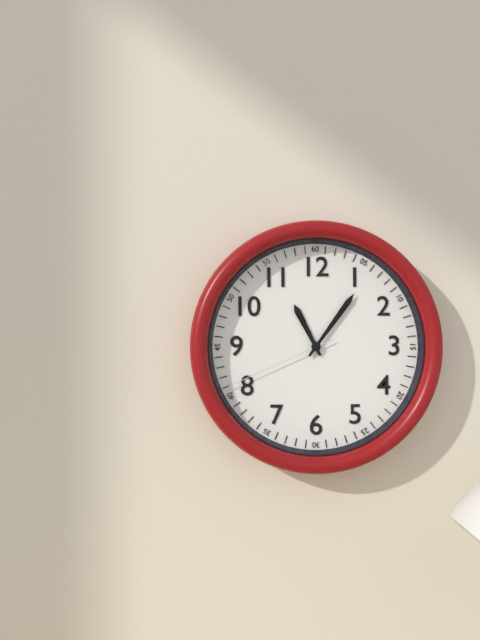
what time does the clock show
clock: 11:06:41
